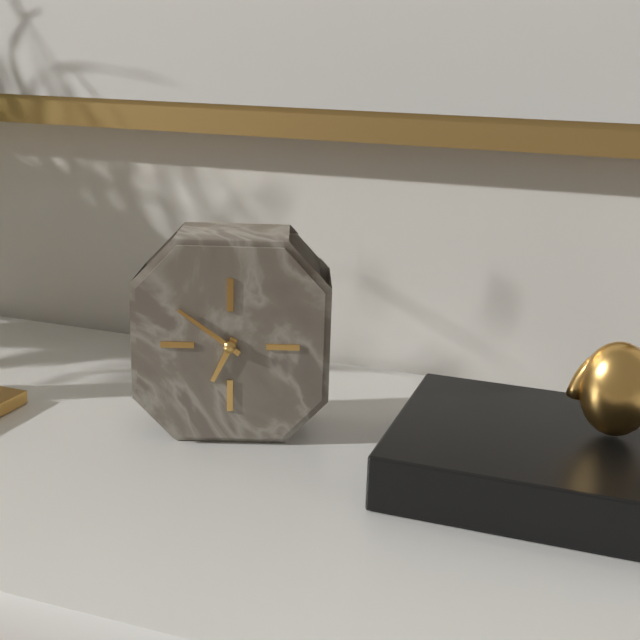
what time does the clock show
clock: 6:51
